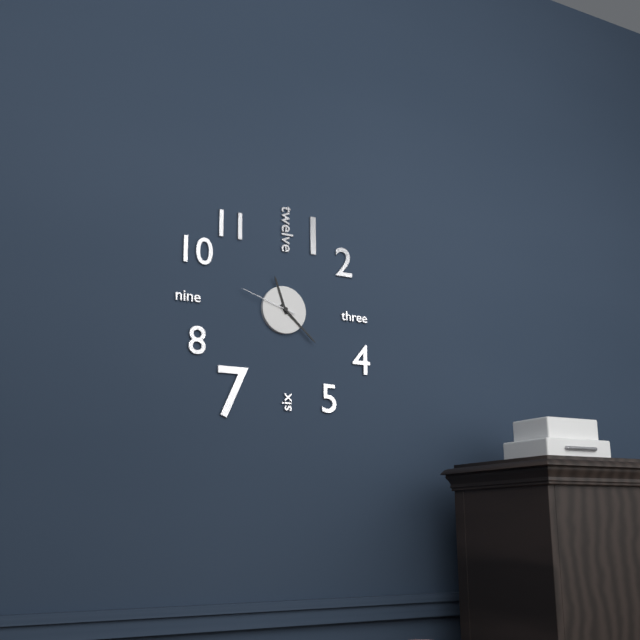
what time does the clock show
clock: 11:22:48
